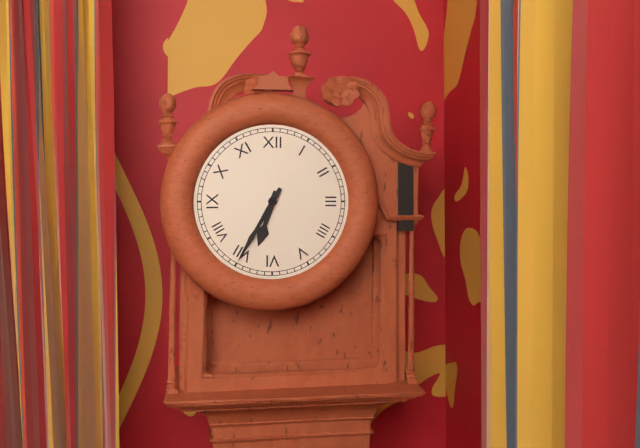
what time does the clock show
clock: 6:35
